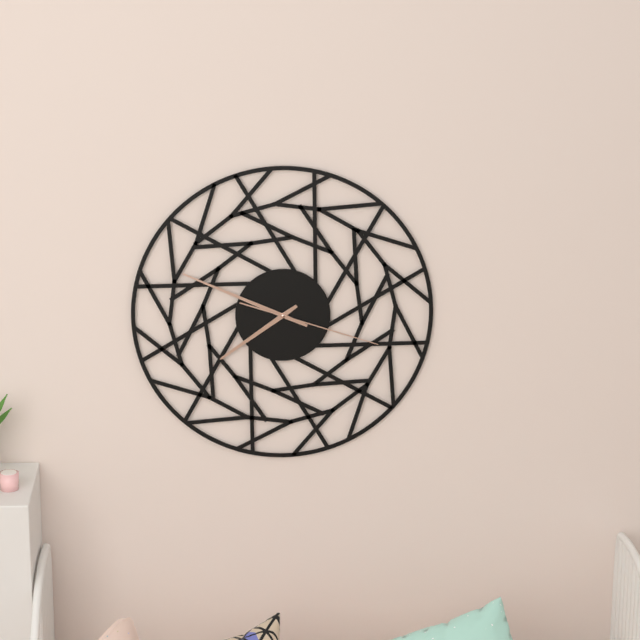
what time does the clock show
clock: 7:49:18
